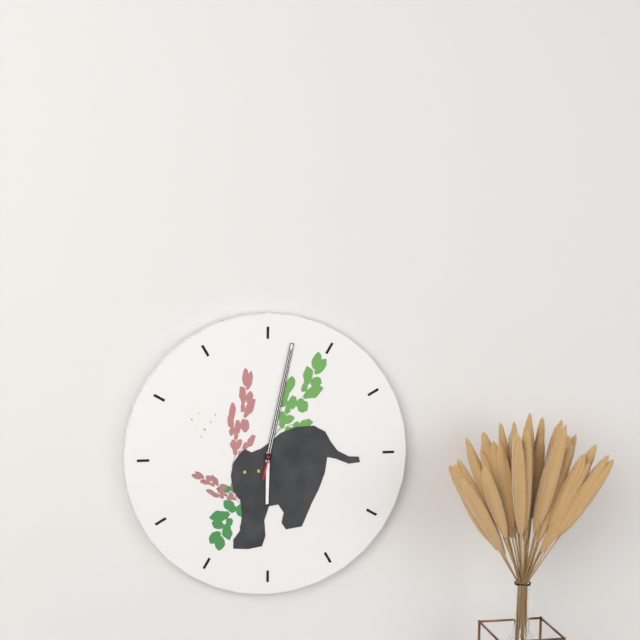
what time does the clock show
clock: 6:02:02
